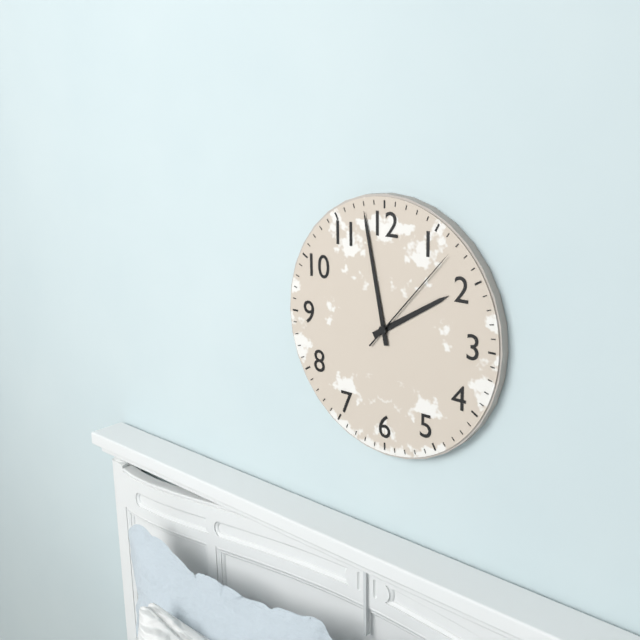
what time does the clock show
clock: 1:58:07
